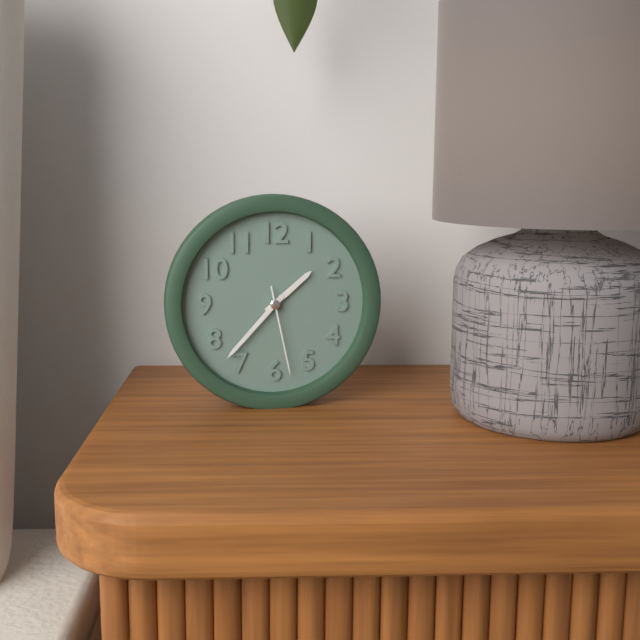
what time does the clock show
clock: 1:37:28
